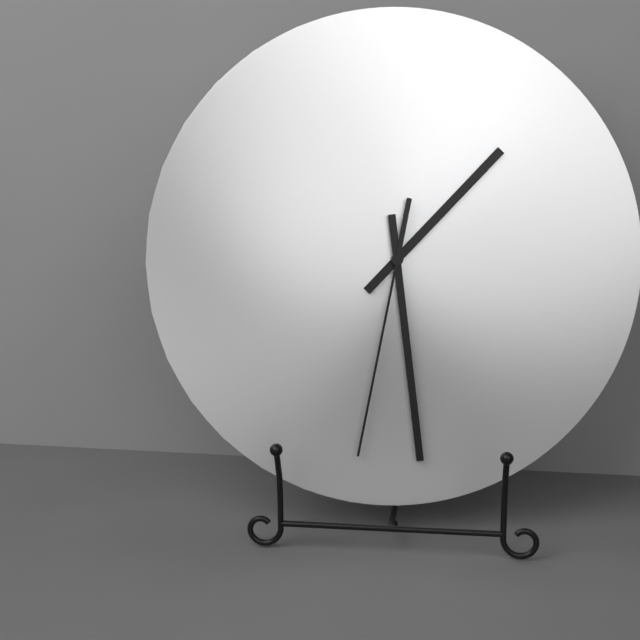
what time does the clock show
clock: 1:29:32
